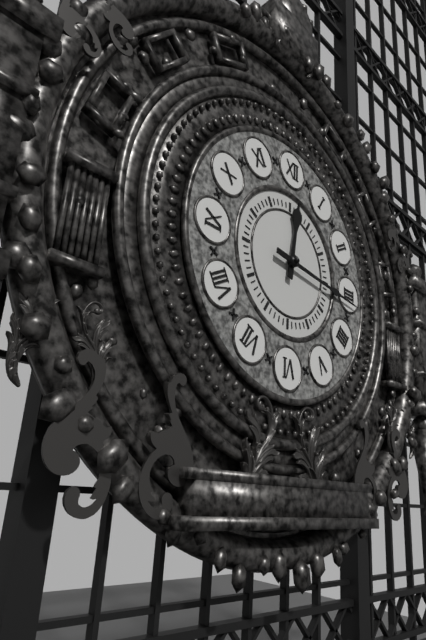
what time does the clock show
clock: 12:16
